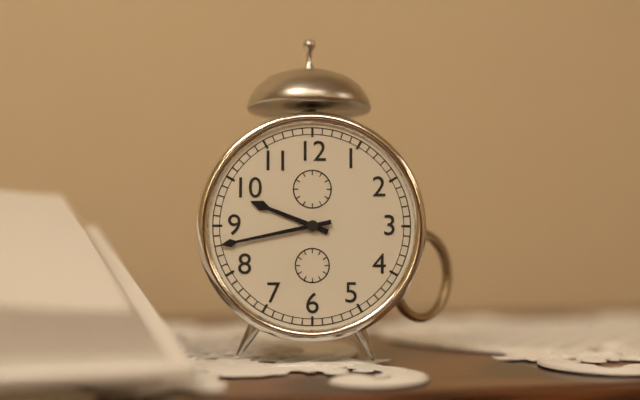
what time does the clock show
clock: 9:43
